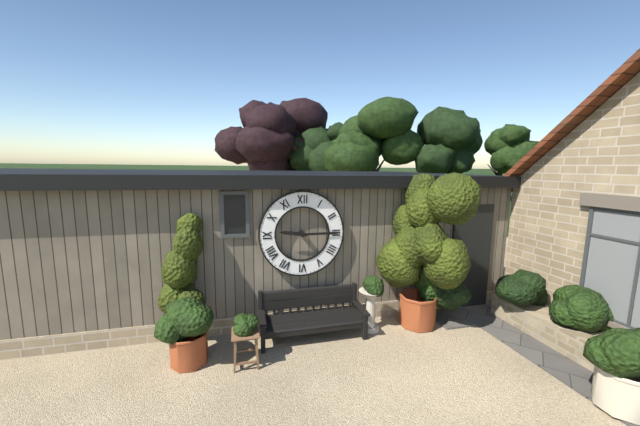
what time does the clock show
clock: 9:15
